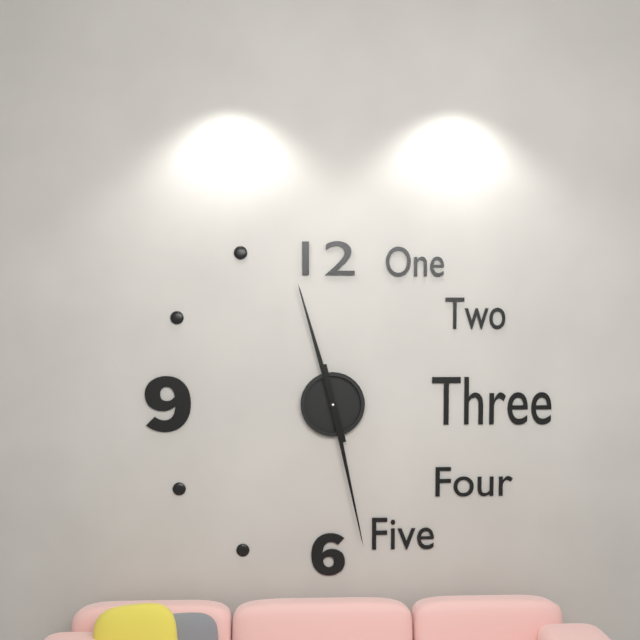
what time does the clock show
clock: 11:28
